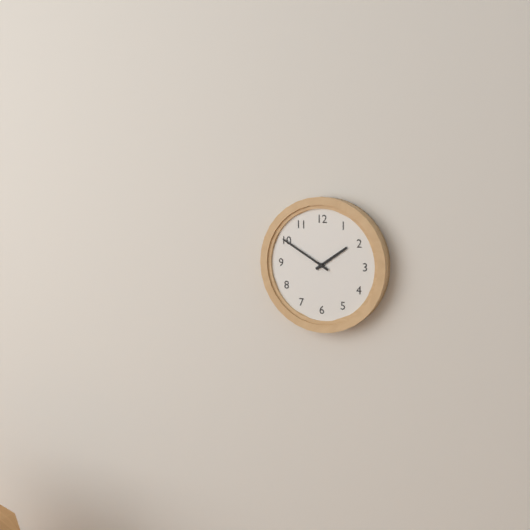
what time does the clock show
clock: 1:50
